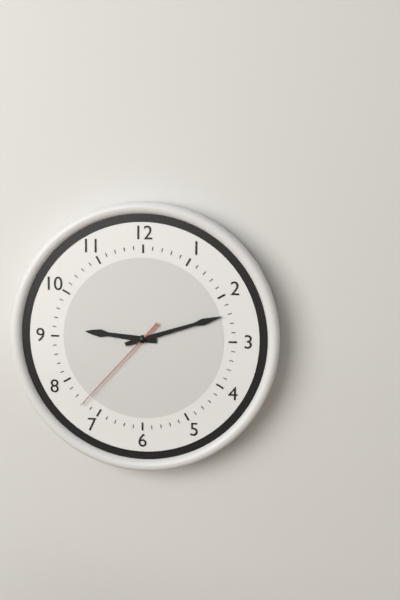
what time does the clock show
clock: 9:12:37
